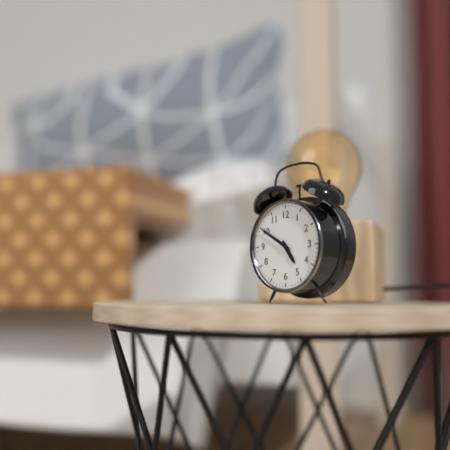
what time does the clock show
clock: 4:50
